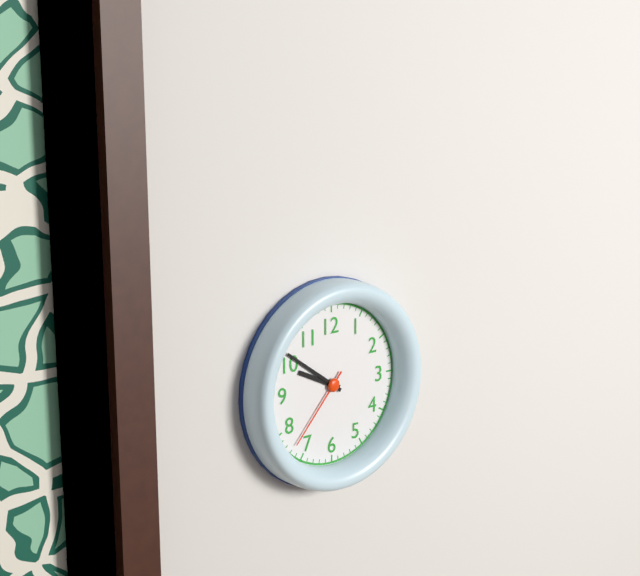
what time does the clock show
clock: 9:51:37
